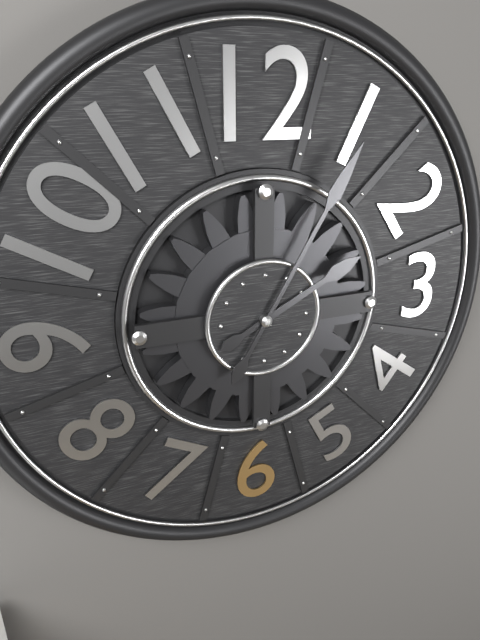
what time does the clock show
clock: 2:05
